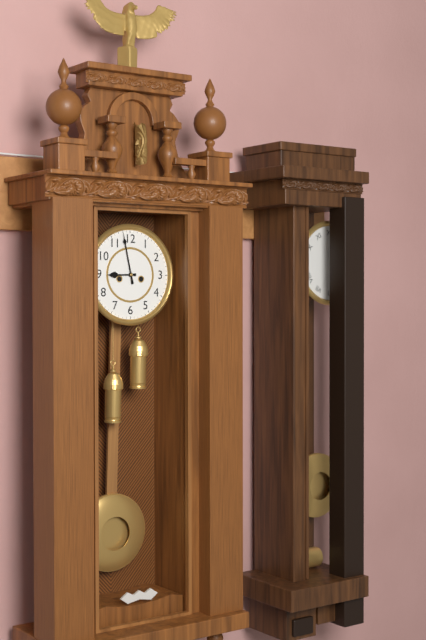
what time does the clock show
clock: 8:58
